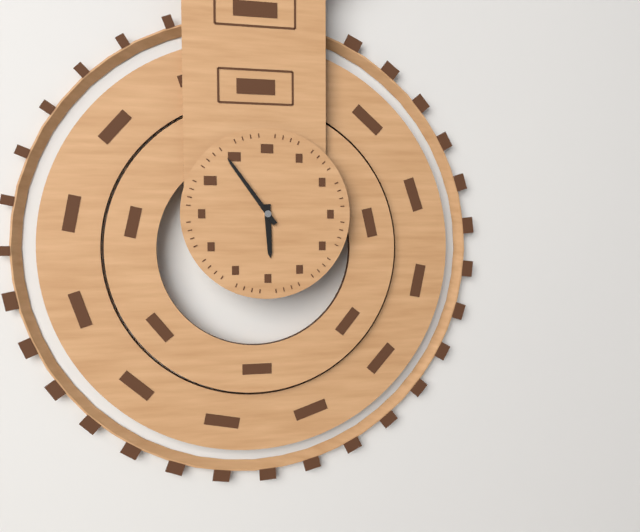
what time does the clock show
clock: 5:54
